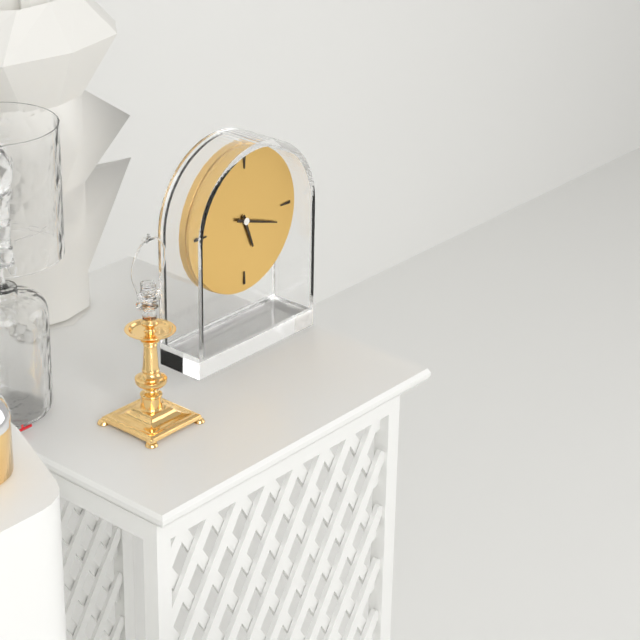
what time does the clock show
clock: 5:18
